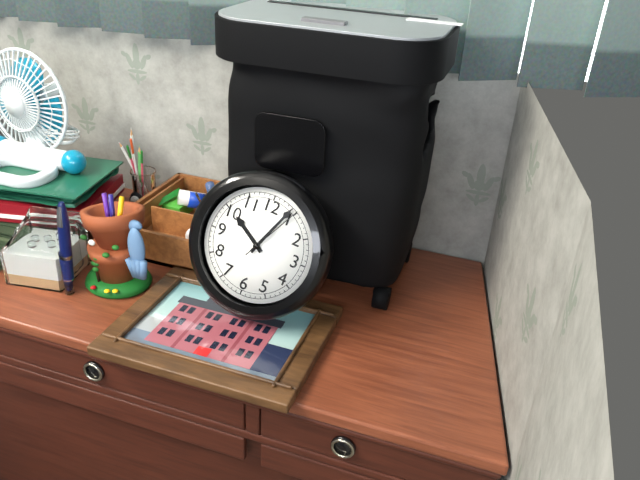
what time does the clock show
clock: 10:04:05
